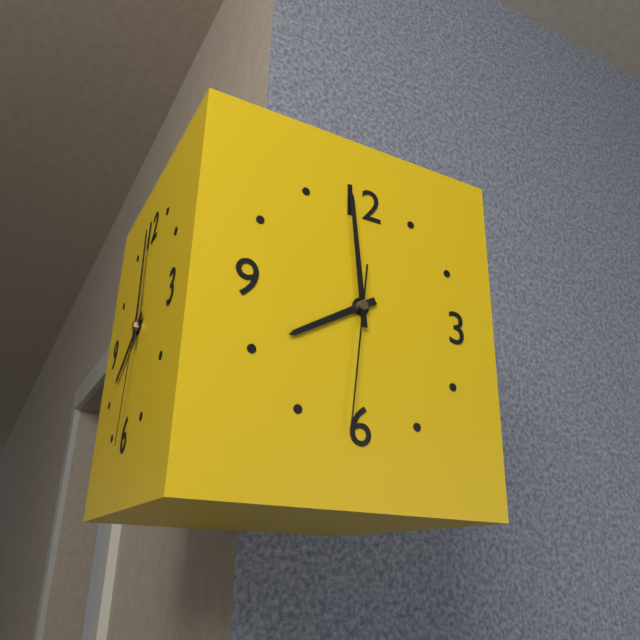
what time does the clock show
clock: 7:59:31
